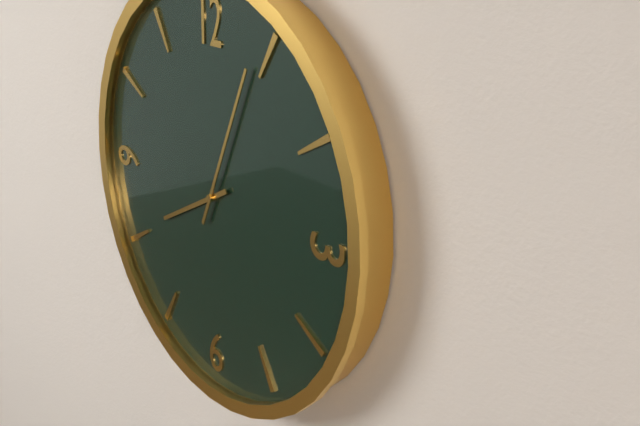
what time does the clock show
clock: 8:04
